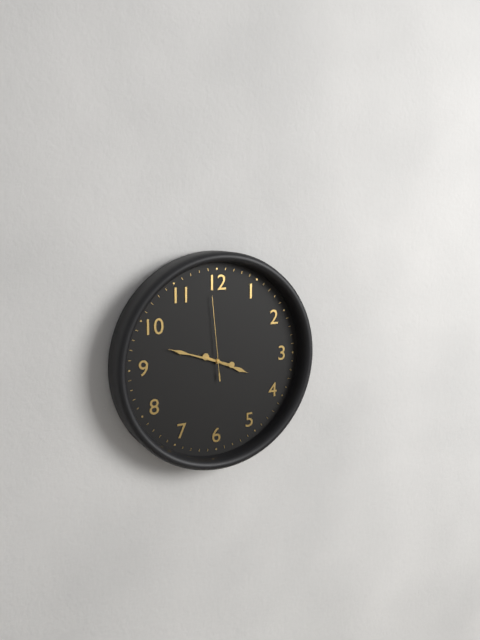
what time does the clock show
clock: 3:48:59
